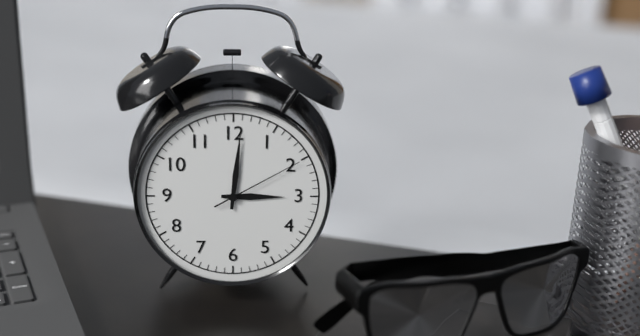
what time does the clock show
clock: 3:01:10
